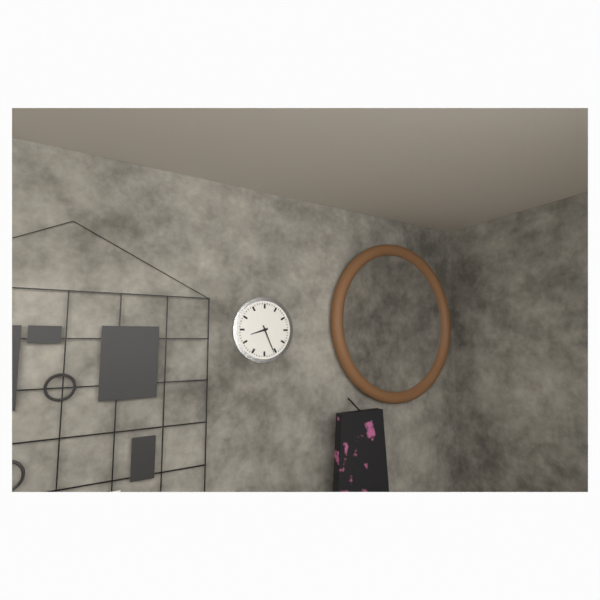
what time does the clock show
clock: 8:26
